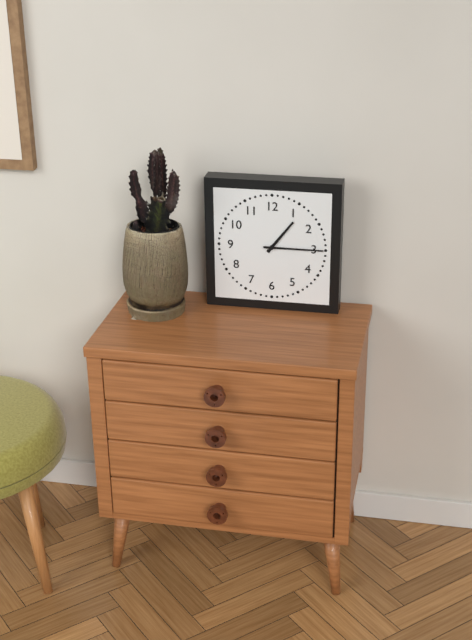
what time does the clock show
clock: 1:15
